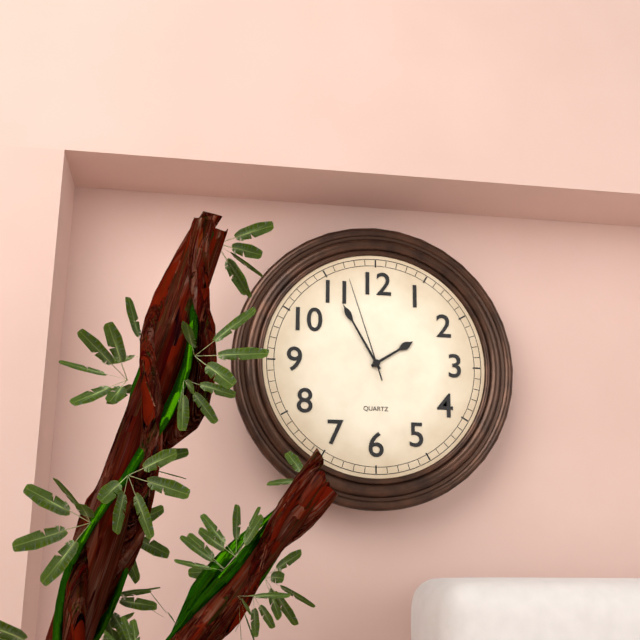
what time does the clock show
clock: 1:55:57
